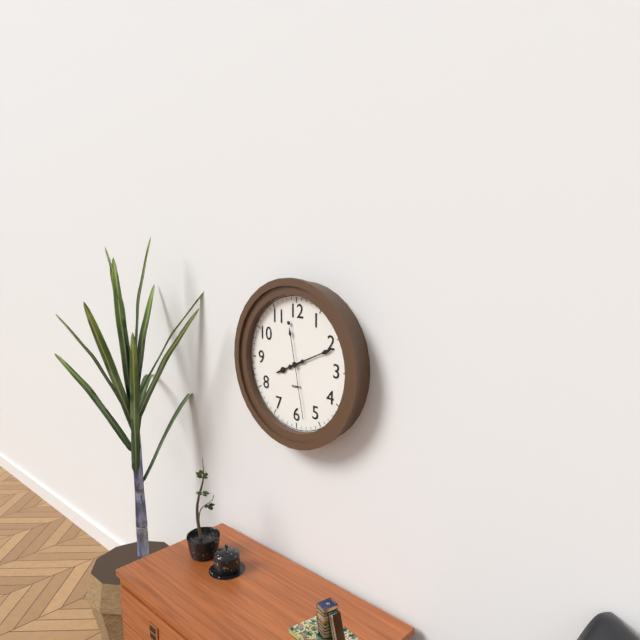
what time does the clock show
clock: 8:11:28
